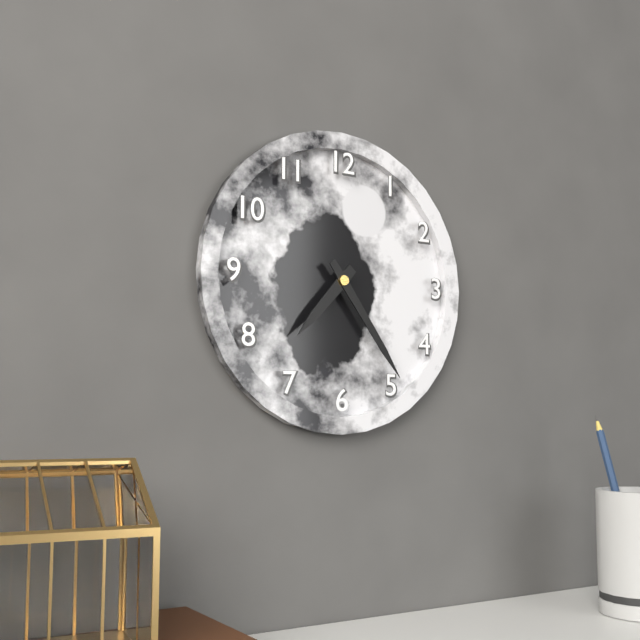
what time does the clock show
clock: 7:24
